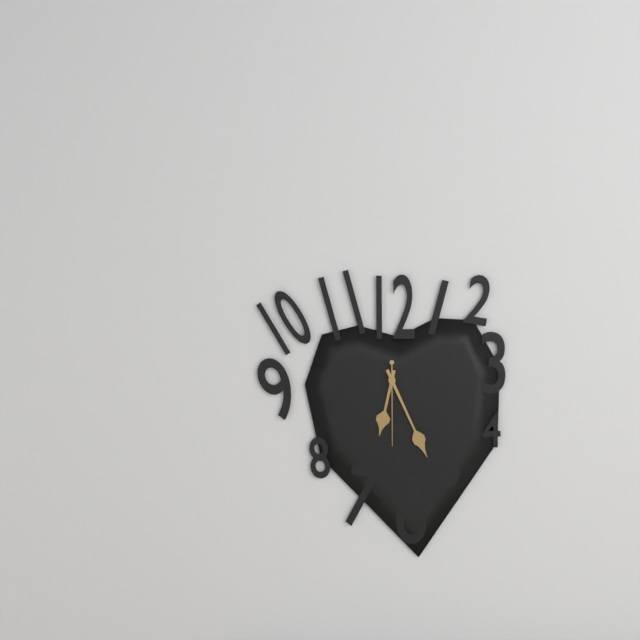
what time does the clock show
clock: 6:26:30
